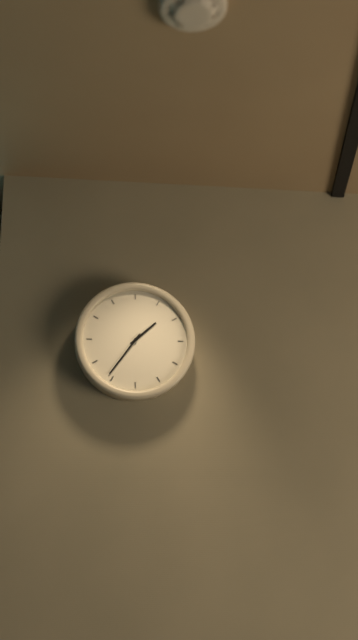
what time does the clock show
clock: 1:36
